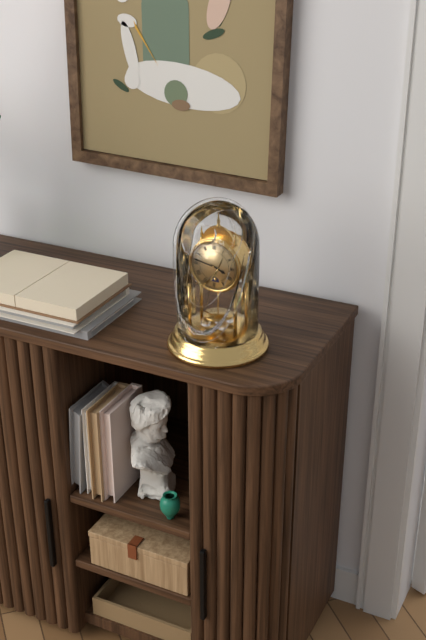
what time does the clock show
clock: 3:47
